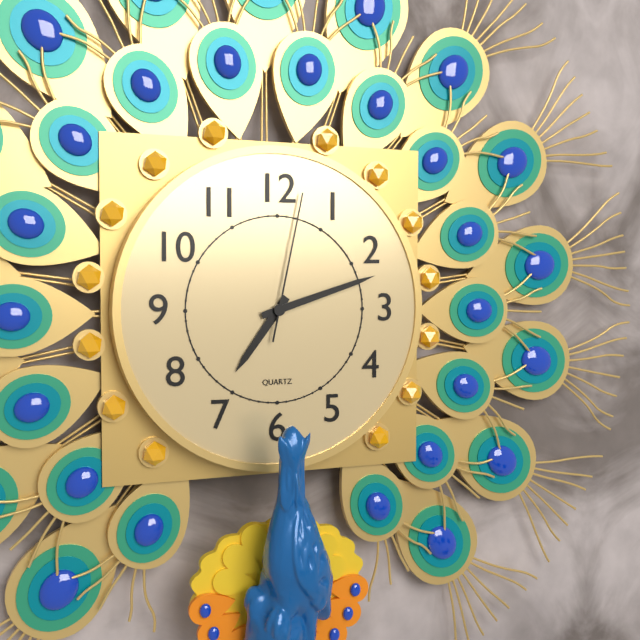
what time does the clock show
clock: 7:12:02
